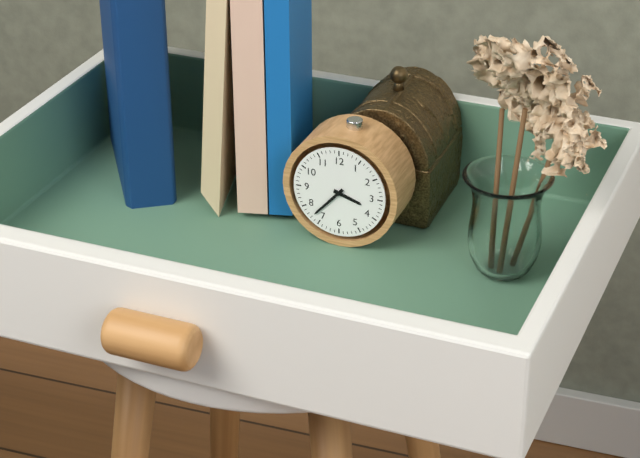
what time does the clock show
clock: 3:37
